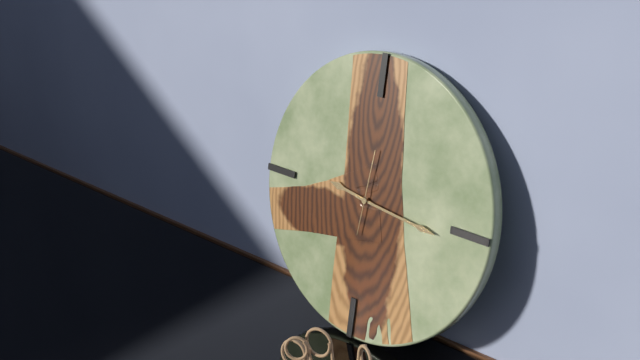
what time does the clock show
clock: 9:16:01
